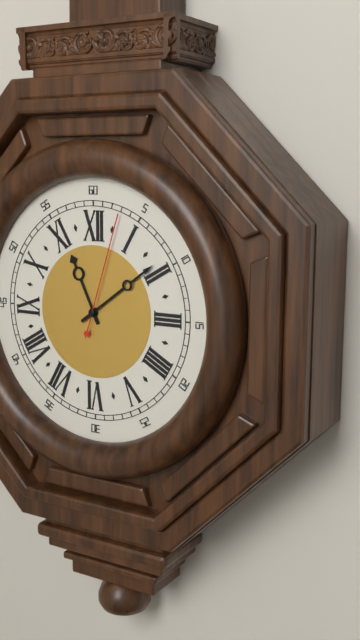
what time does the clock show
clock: 11:09:03
